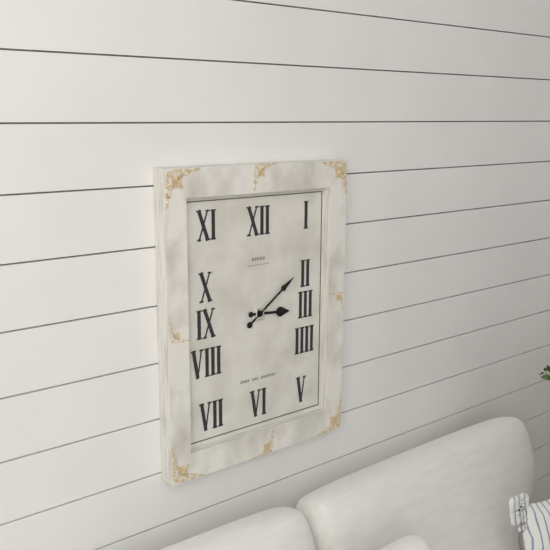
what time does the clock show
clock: 3:09
